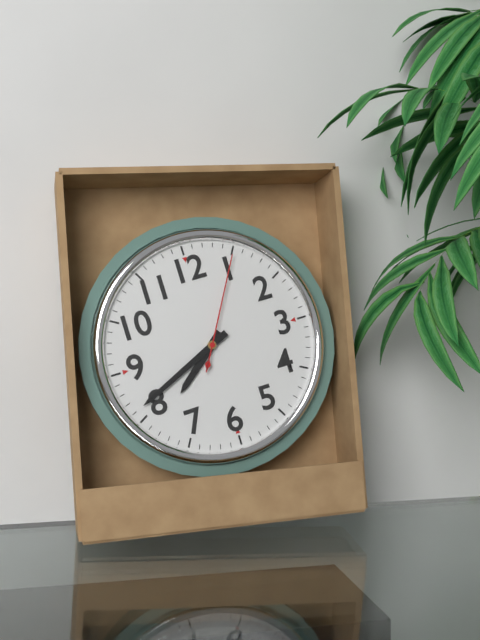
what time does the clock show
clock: 7:41:05
